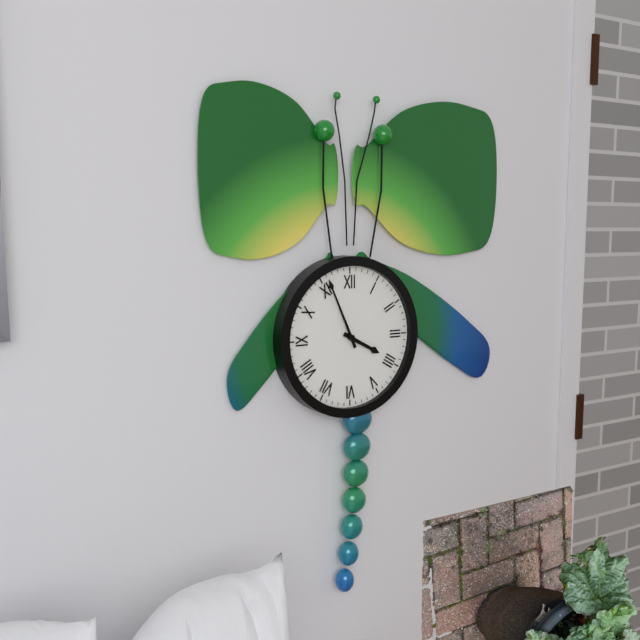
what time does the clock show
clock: 3:56
